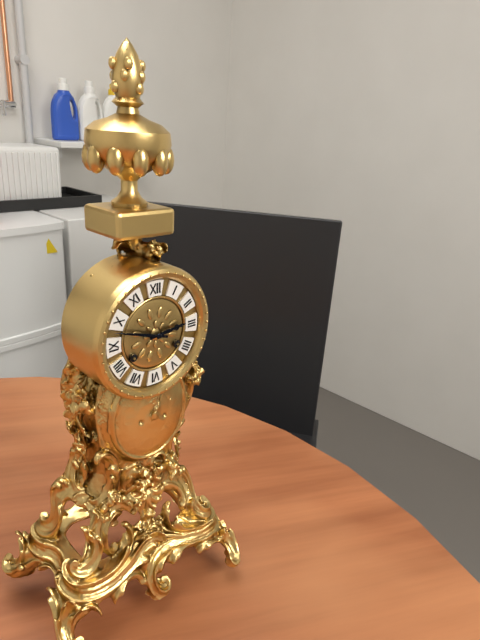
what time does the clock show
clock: 2:48
